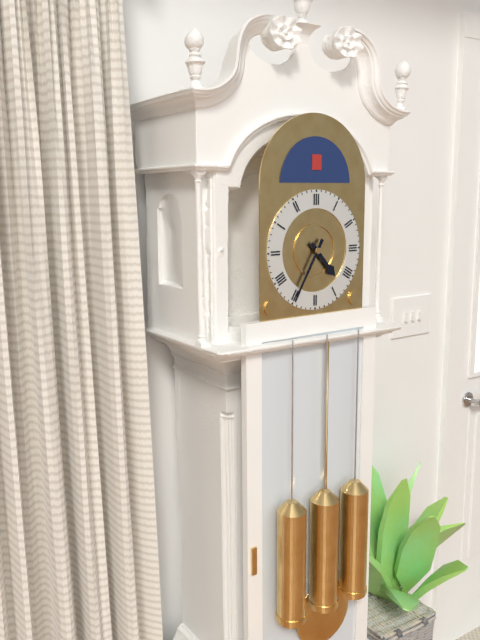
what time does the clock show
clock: 4:35
